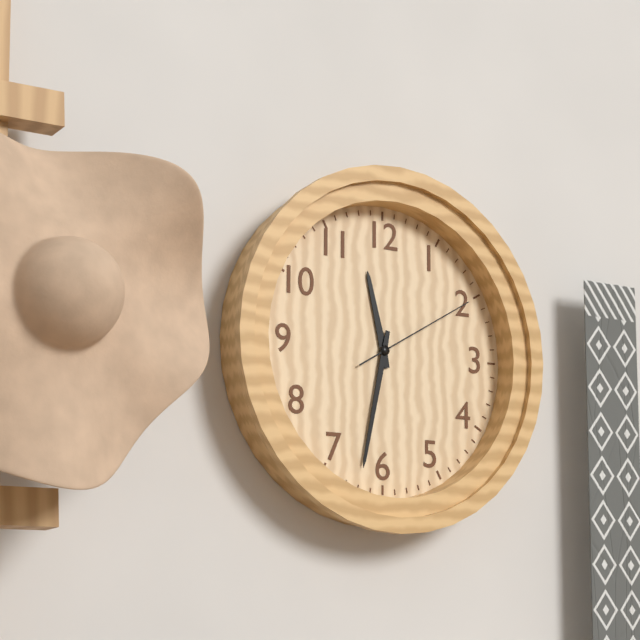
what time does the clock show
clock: 11:32:10
